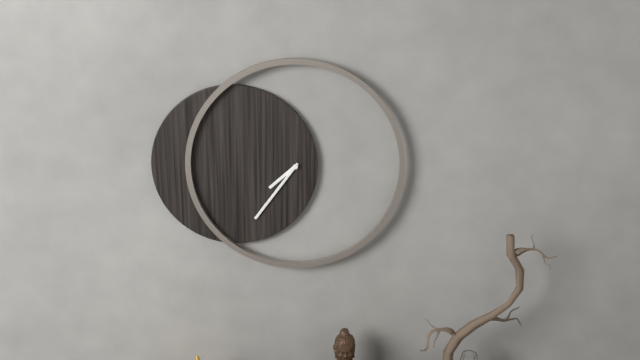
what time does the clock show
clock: 7:36
